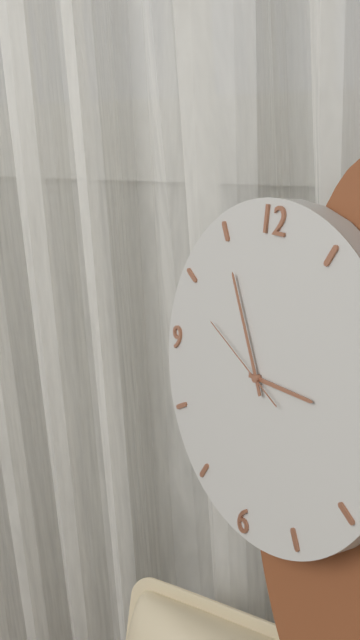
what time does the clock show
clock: 2:55:49
